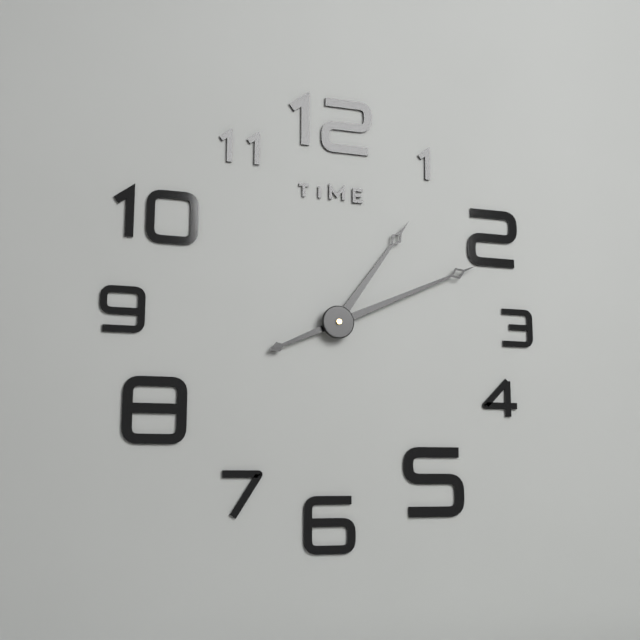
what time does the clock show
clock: 1:11
